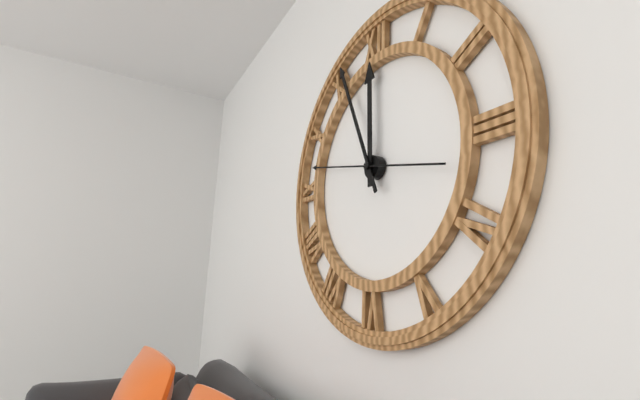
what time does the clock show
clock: 11:56:47
